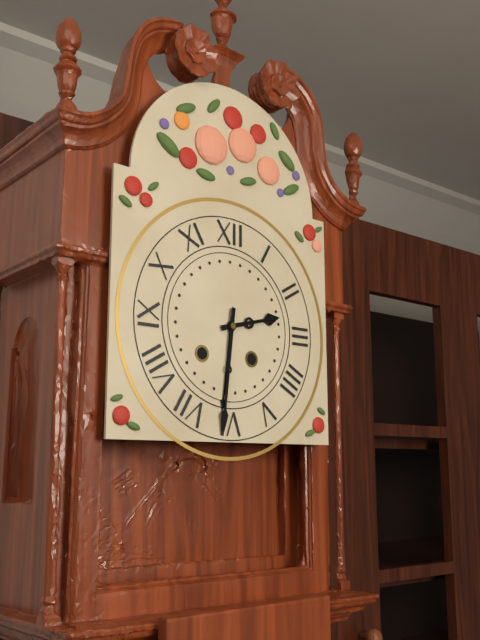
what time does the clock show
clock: 2:31
